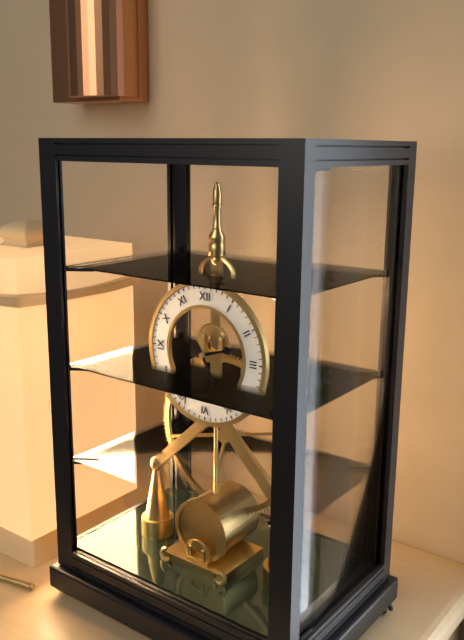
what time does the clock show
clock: 2:25
